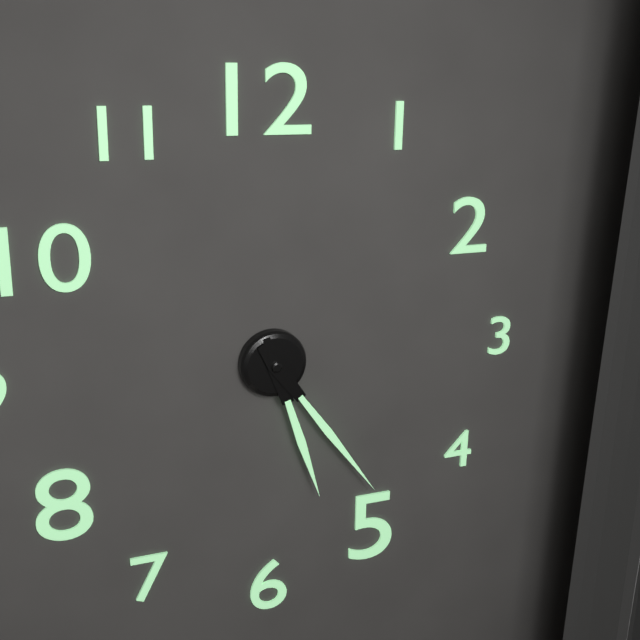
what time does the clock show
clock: 5:24
